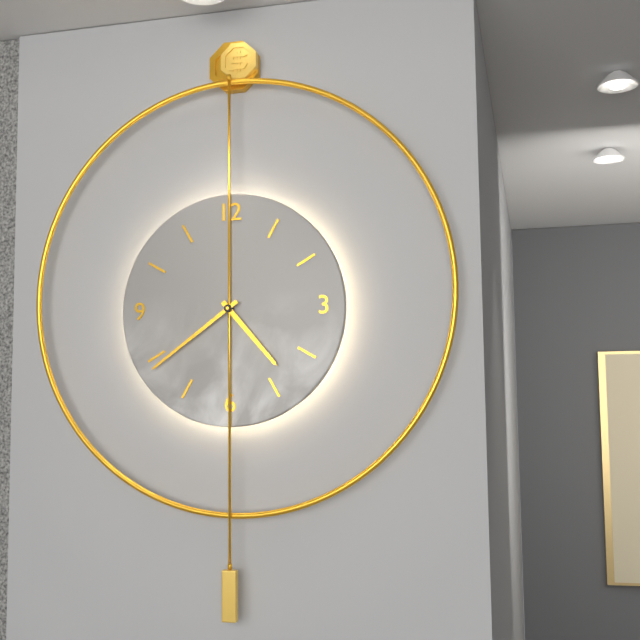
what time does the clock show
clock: 4:39
